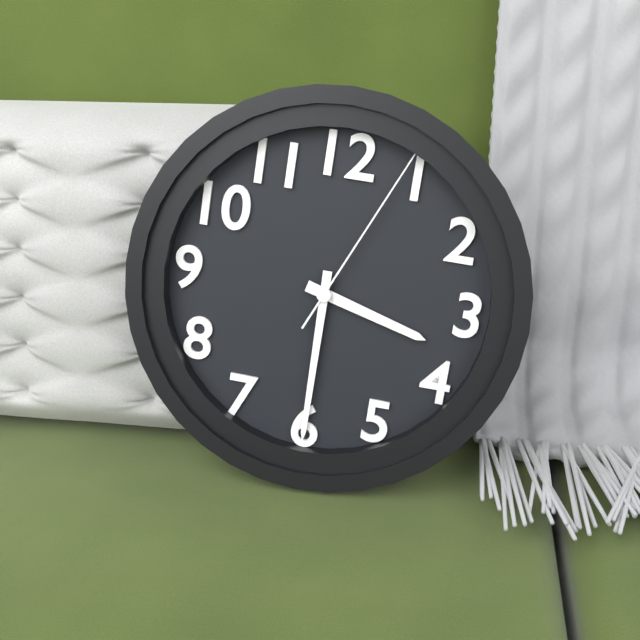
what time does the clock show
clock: 3:30:04
